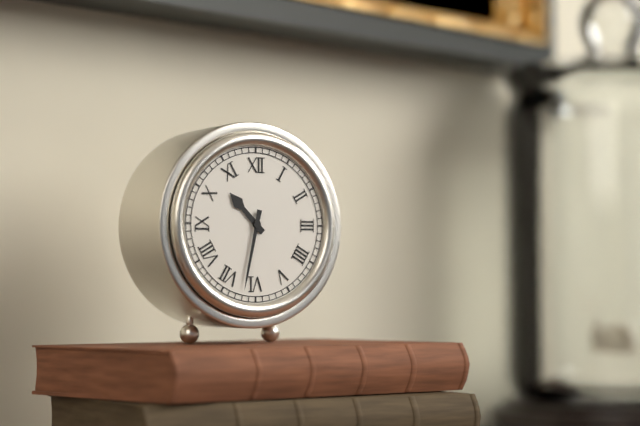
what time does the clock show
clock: 10:32
